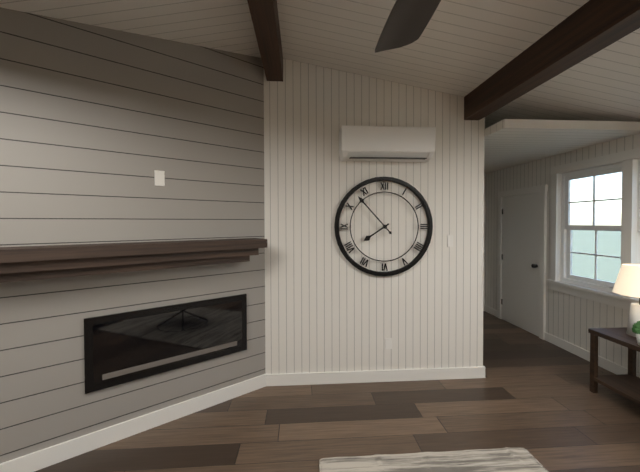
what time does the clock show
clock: 7:53
